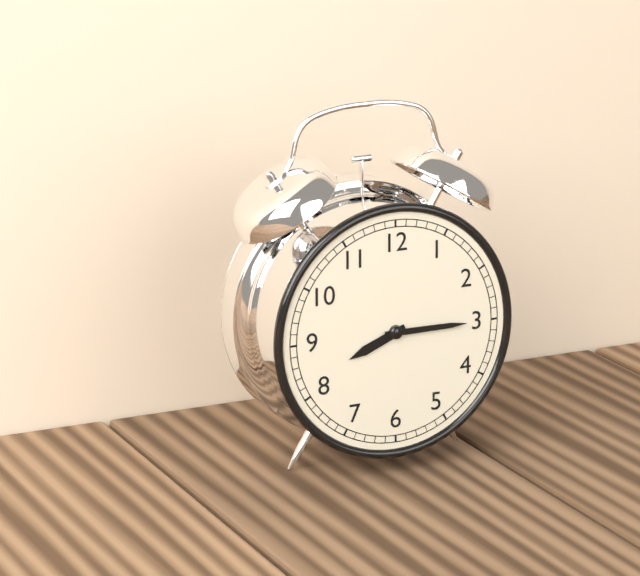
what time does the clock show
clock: 8:15
